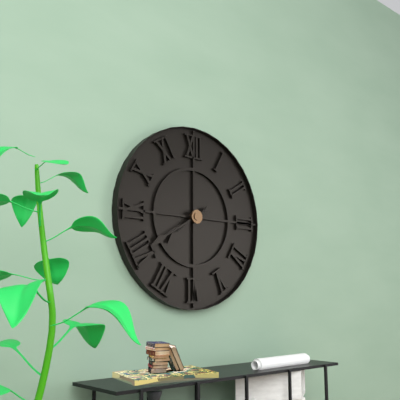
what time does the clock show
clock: 7:40
